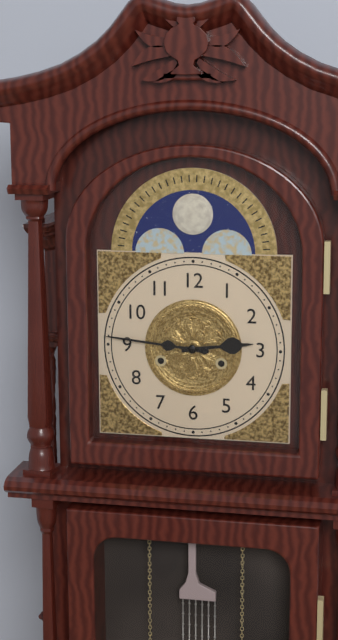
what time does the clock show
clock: 2:46
